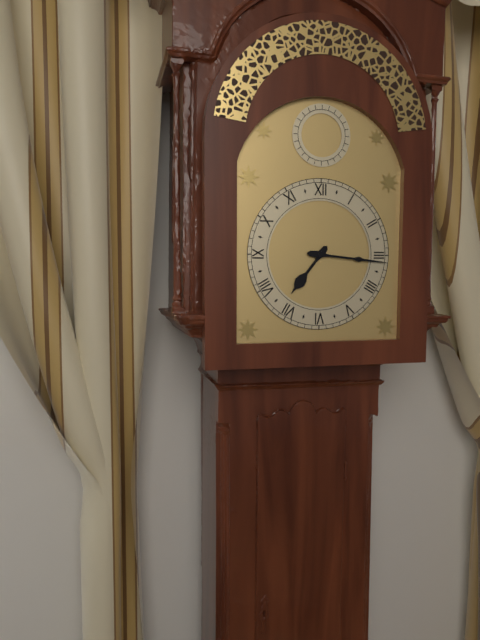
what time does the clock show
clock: 7:16
